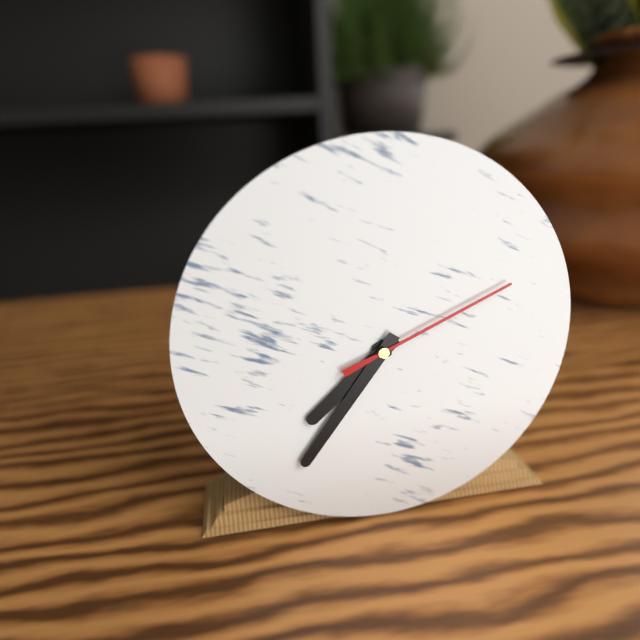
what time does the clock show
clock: 7:36:11
